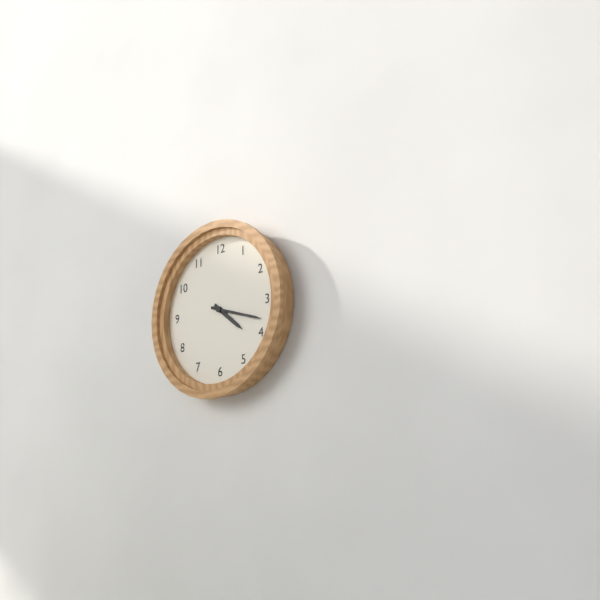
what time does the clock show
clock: 4:18
